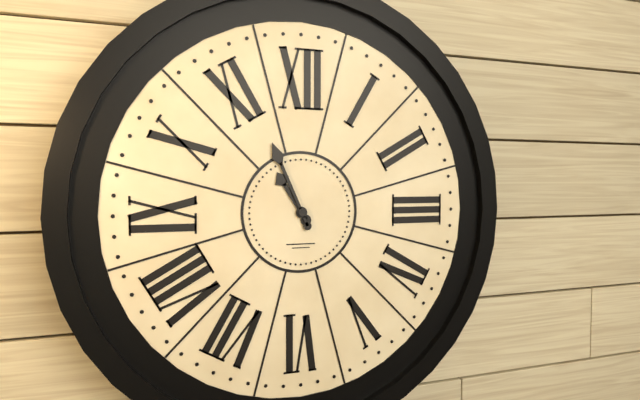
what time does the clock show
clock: 10:56
